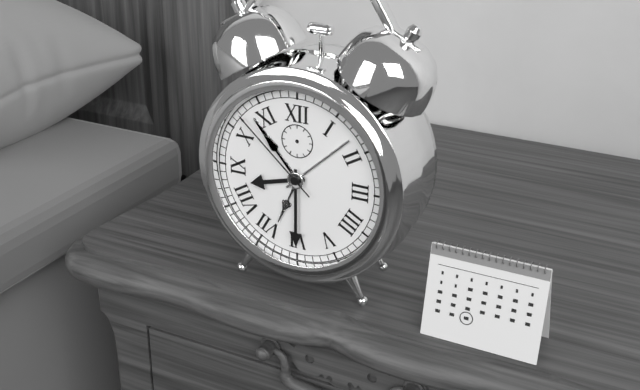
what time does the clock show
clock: 8:30:52
